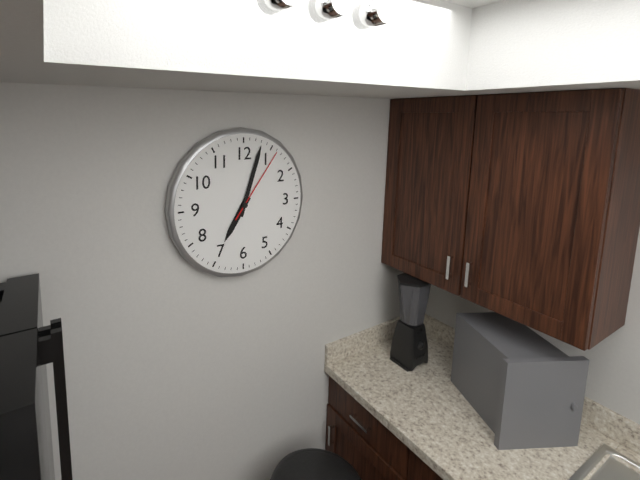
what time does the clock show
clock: 7:03:06
